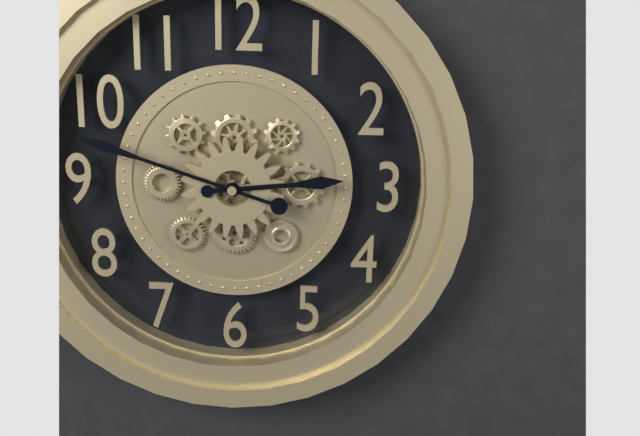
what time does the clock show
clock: 2:48
